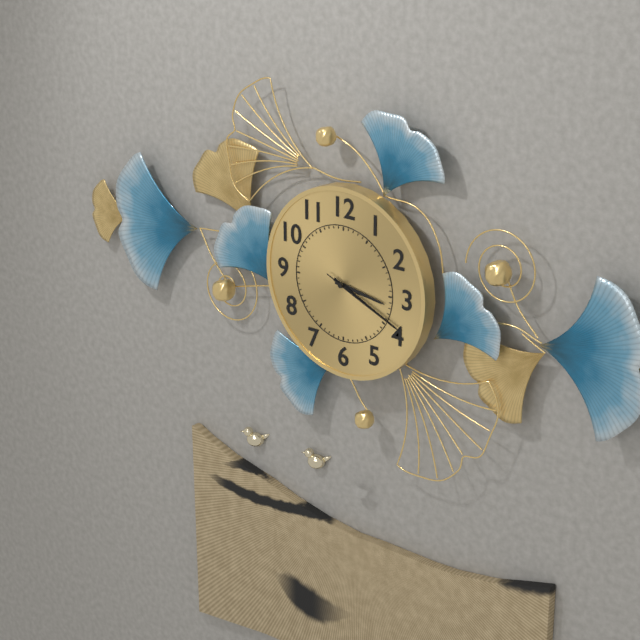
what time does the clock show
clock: 3:19:19
